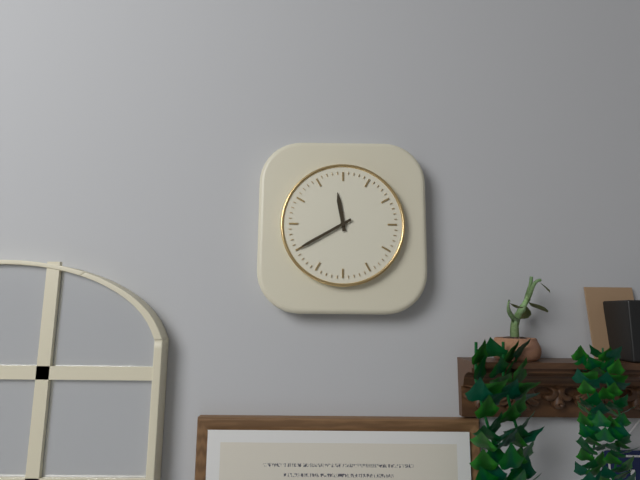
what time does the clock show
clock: 11:40
